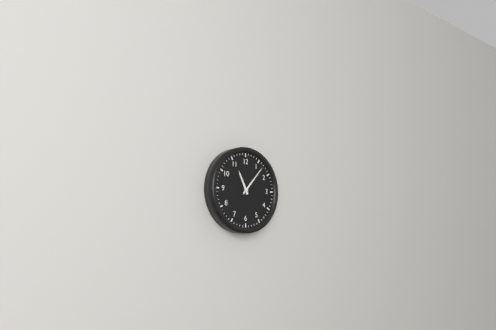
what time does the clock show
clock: 11:07
